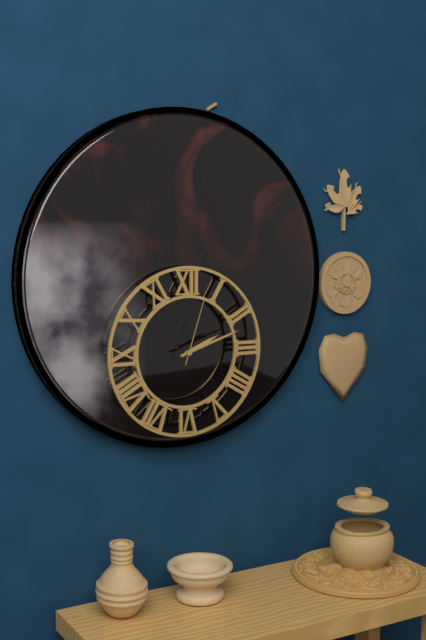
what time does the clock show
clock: 2:12:03
